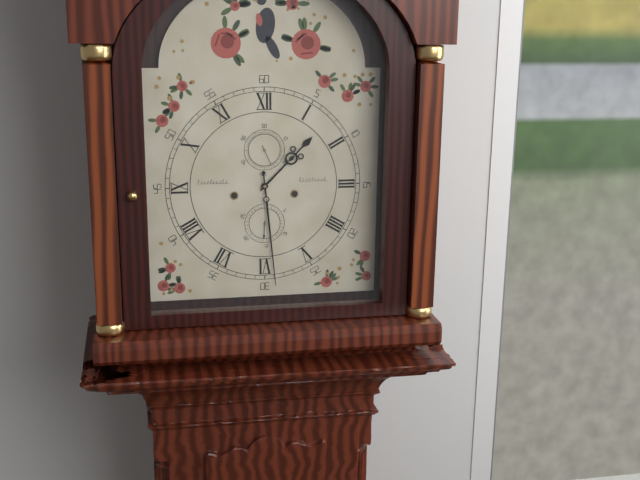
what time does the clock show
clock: 1:29
